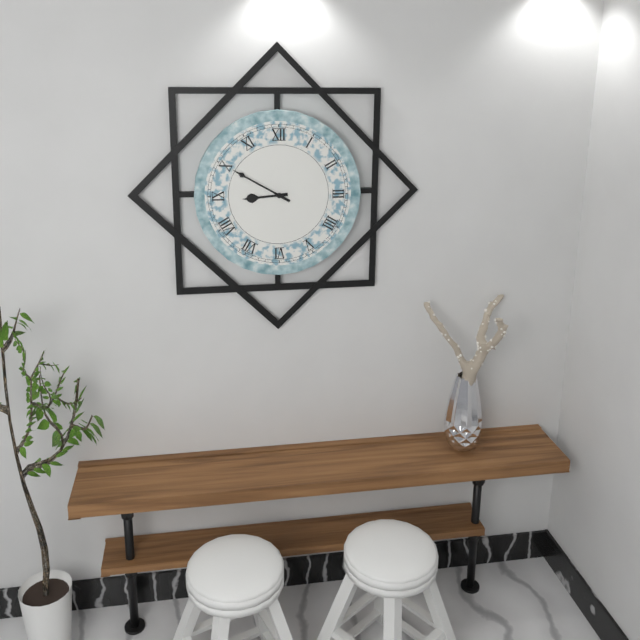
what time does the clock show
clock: 8:50
